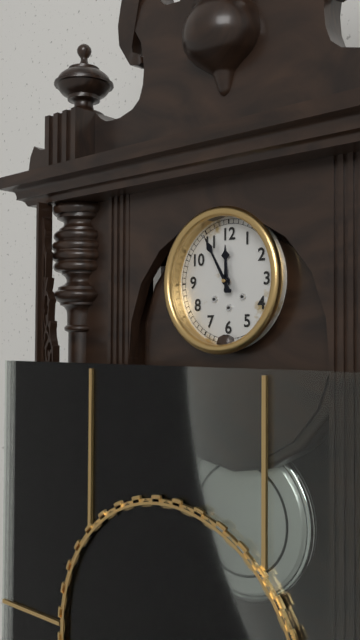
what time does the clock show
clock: 11:55
